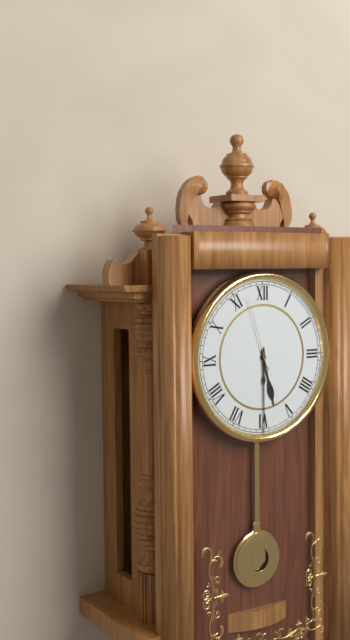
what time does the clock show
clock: 5:30:57
